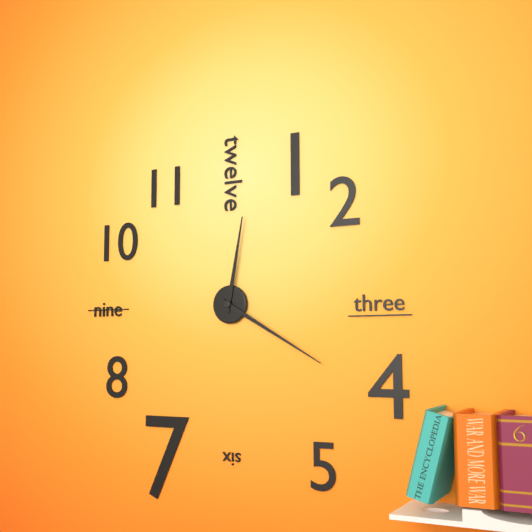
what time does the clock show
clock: 12:20
